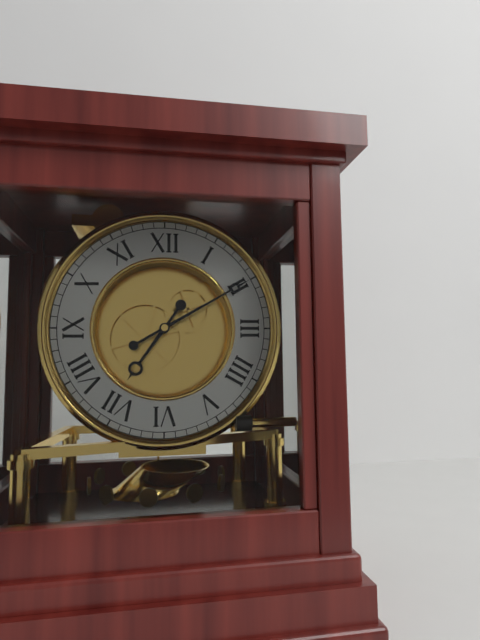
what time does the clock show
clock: 7:10
